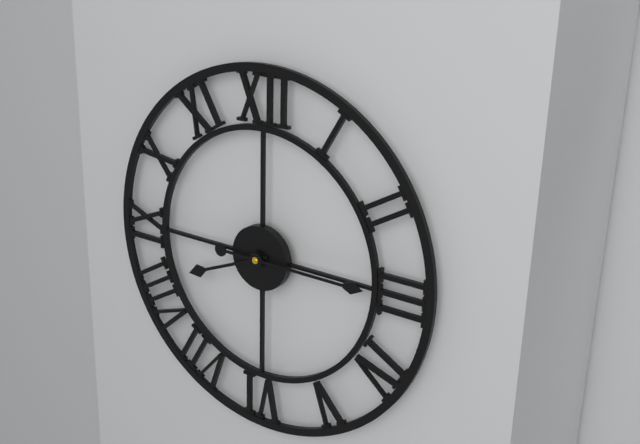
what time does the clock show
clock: 8:15
